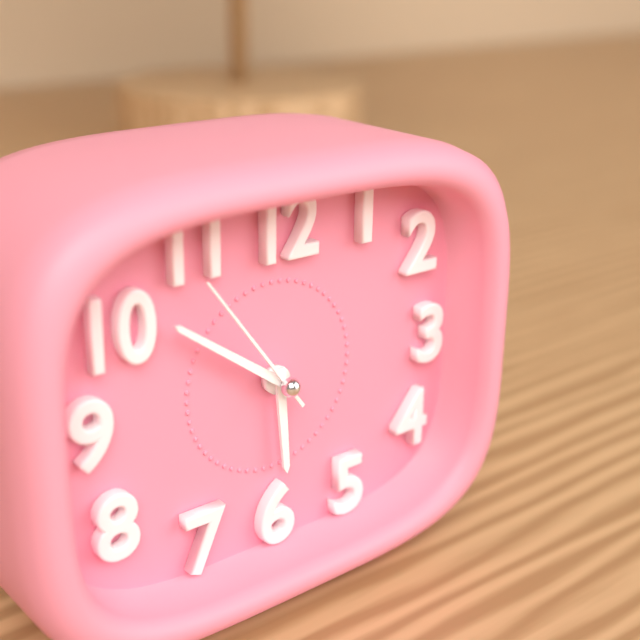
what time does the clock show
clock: 5:51:54
